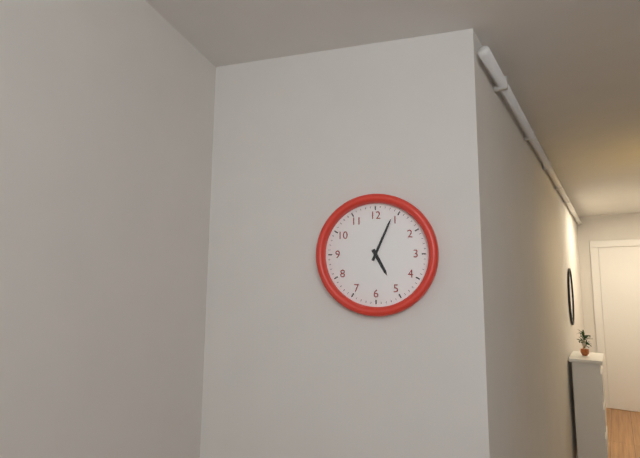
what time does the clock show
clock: 5:04
